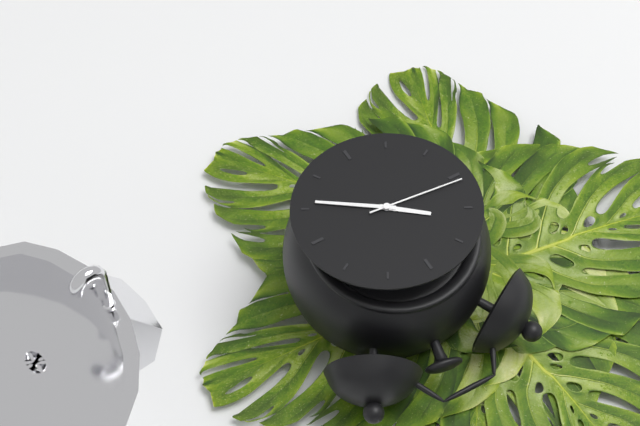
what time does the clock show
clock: 10:21:46
